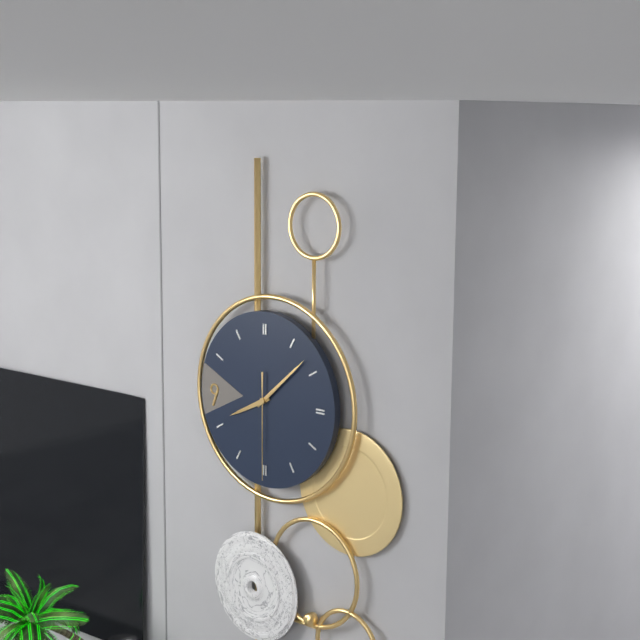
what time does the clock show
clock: 8:08:30
